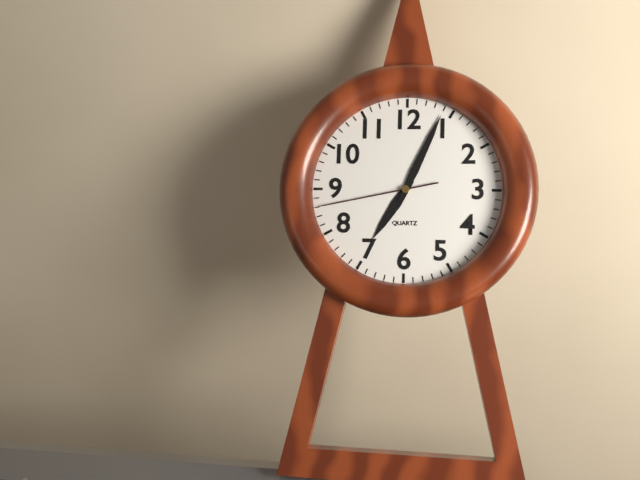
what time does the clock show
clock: 7:04:43
